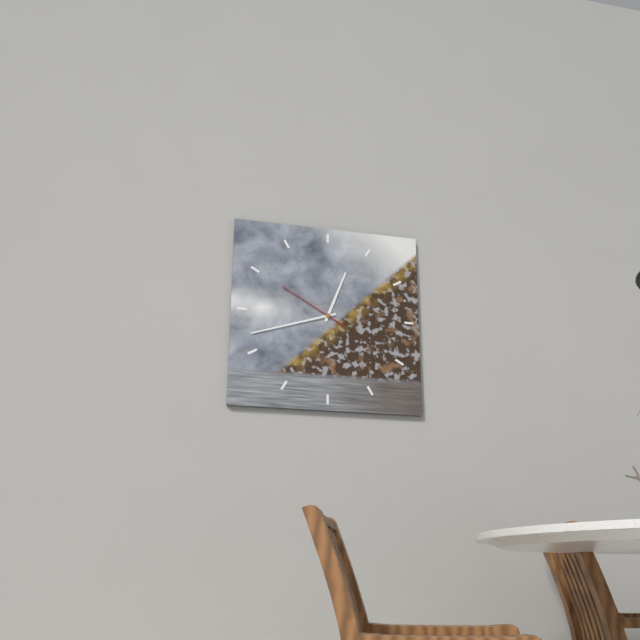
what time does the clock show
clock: 12:42:50
